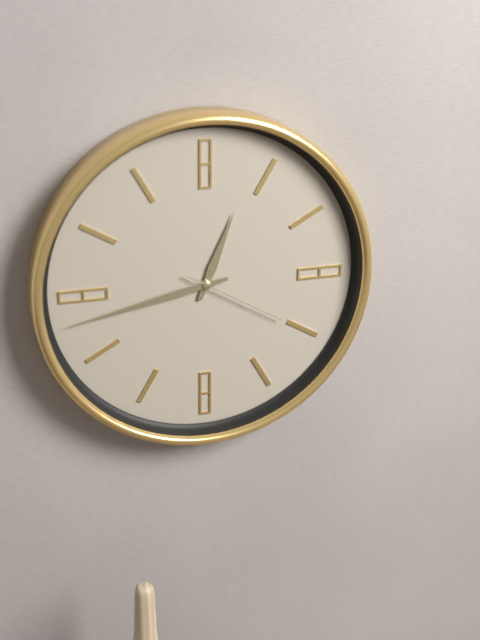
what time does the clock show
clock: 12:43:20
